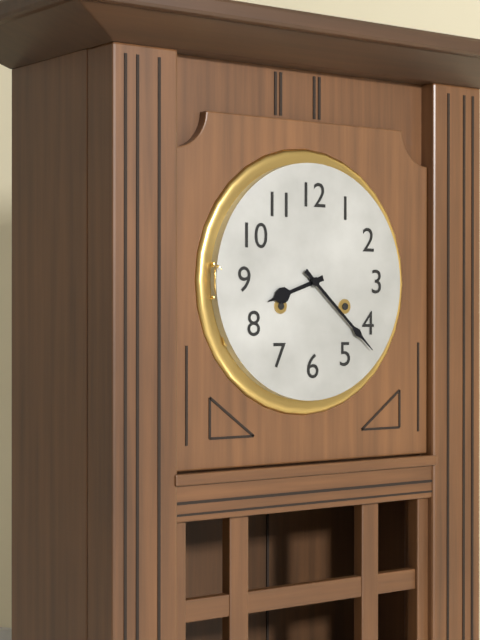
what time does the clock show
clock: 8:22
